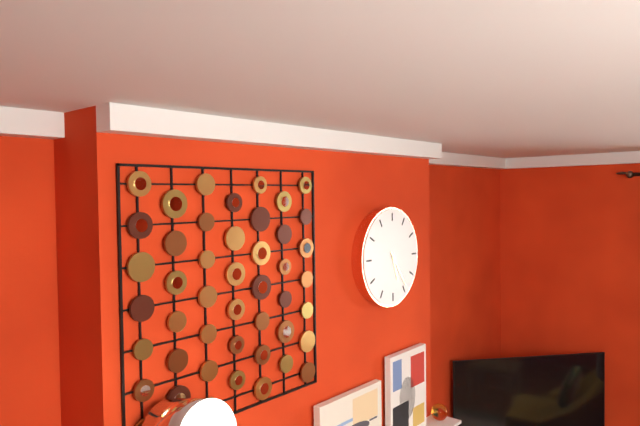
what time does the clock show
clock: 5:24
